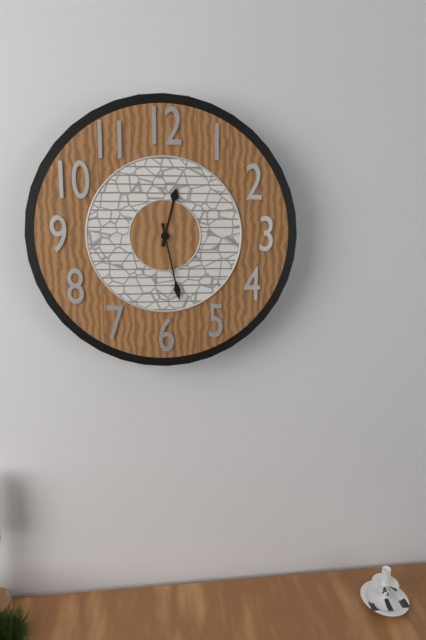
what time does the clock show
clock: 12:28
